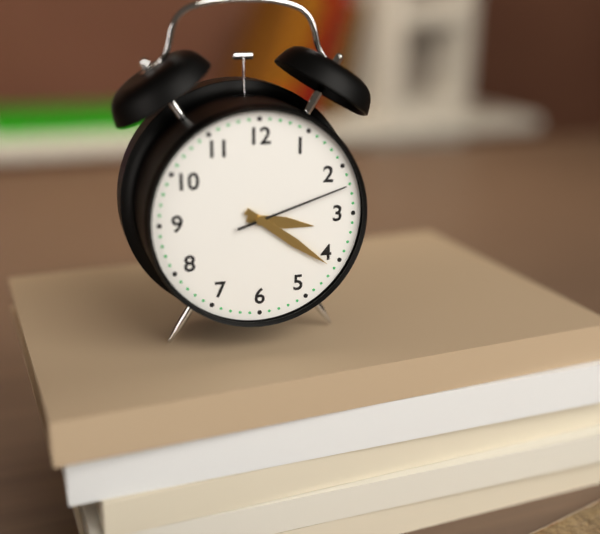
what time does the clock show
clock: 3:21:12
